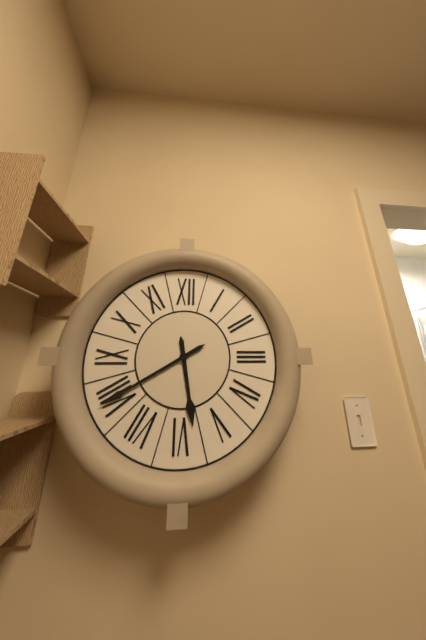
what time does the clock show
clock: 5:40
